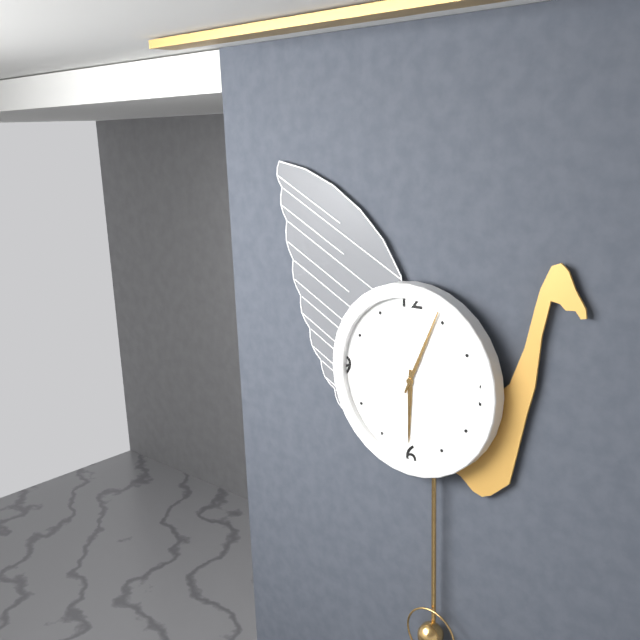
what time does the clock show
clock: 6:04
